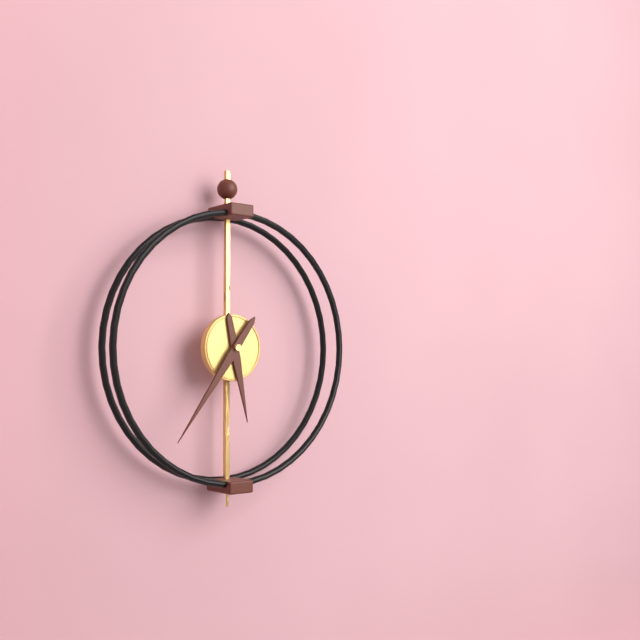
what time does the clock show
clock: 5:36
